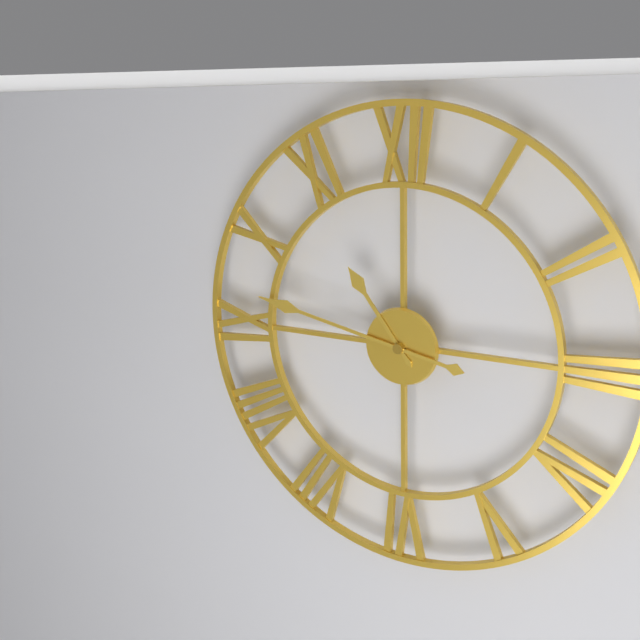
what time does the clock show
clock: 10:47
